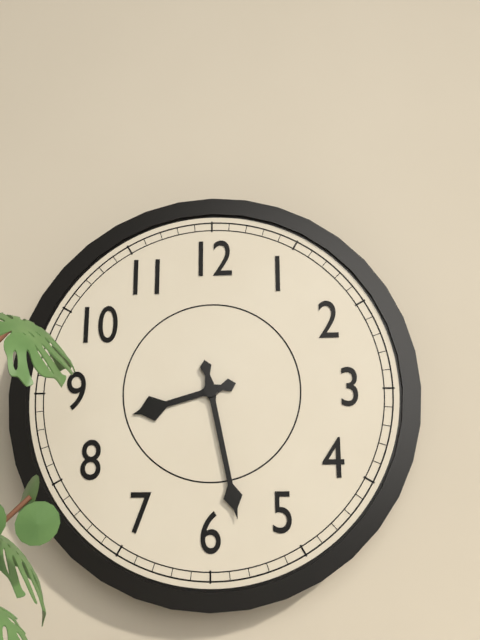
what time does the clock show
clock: 8:28
